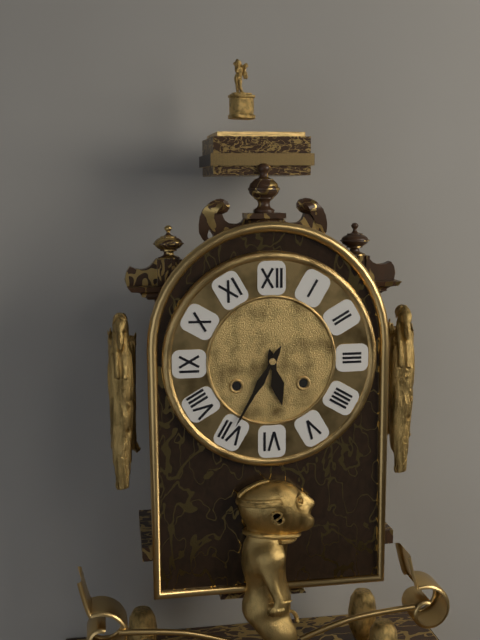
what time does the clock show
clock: 5:35
